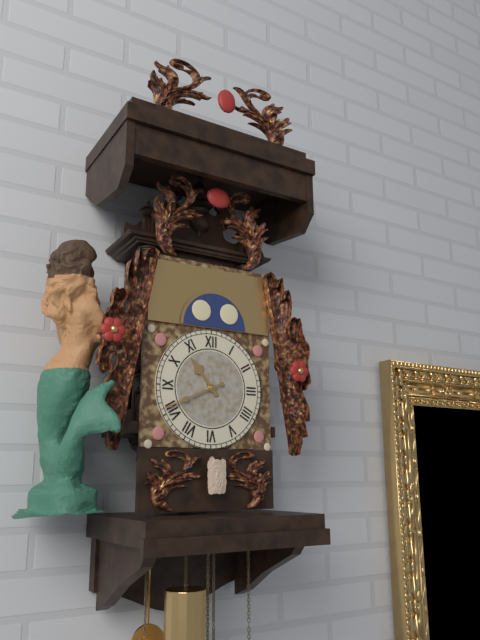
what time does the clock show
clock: 10:41
